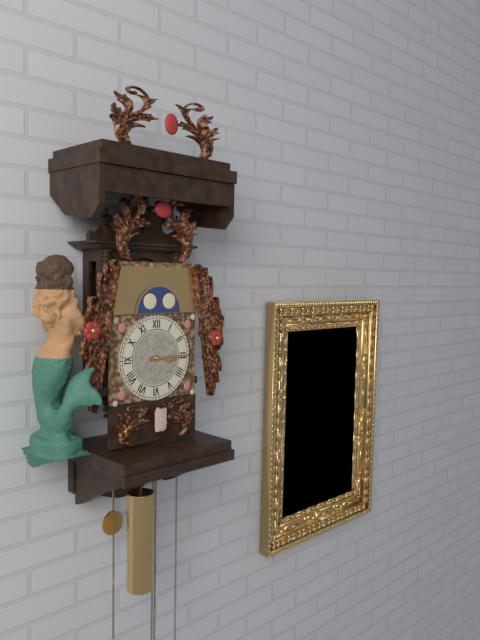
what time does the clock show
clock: 3:15
